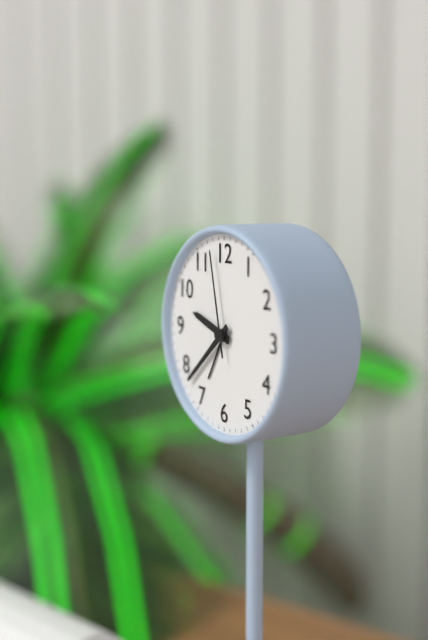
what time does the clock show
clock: 9:38:58
